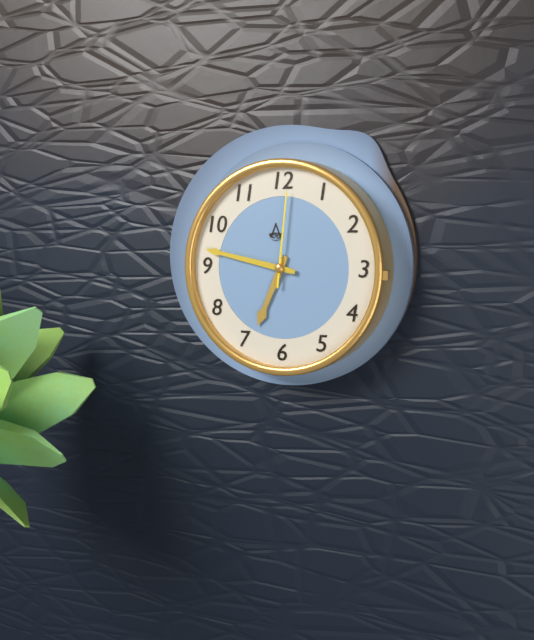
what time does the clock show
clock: 6:47:01
